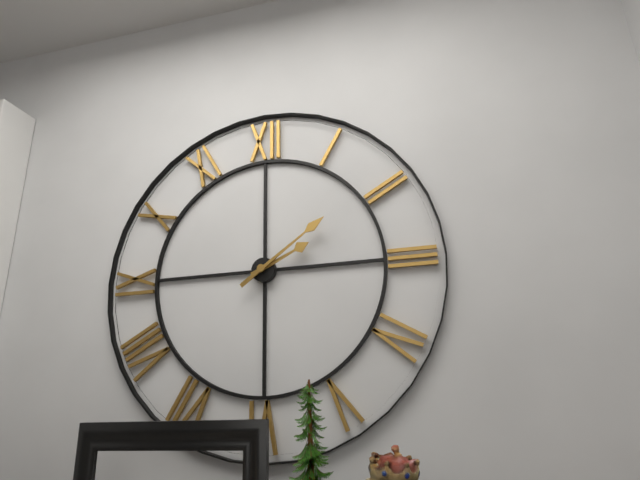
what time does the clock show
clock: 2:09
